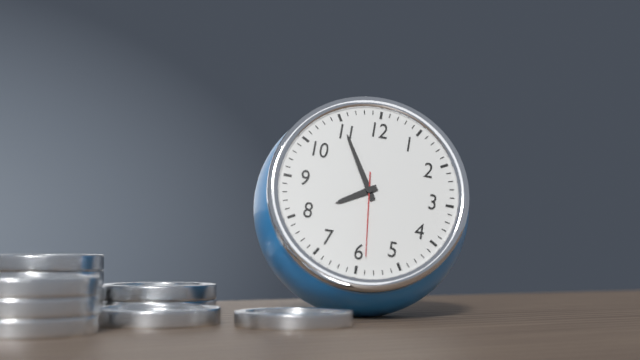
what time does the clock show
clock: 7:55:29
